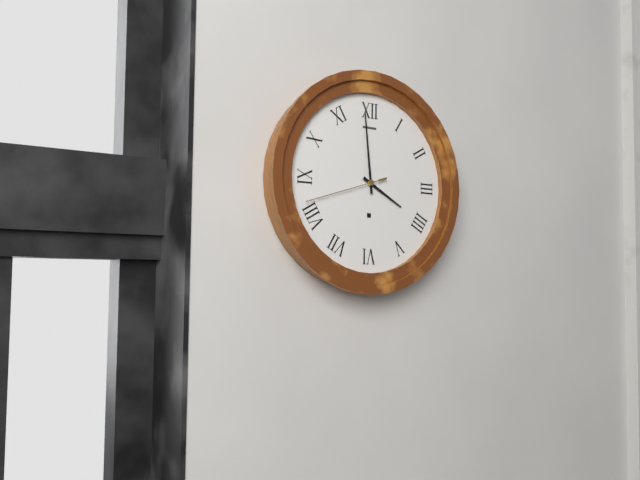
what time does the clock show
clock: 3:59:42
